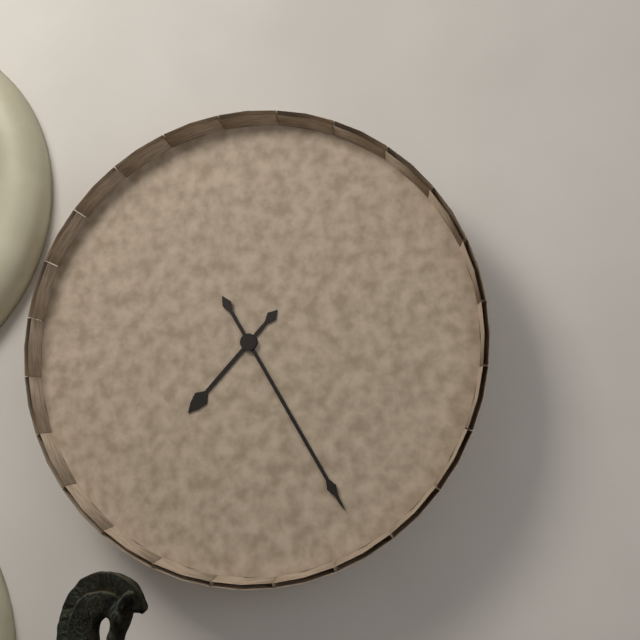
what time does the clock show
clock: 7:25
